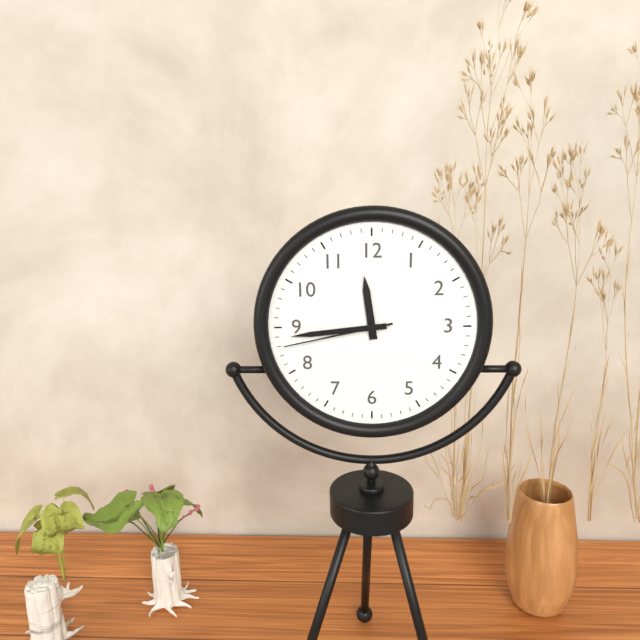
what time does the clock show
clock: 11:44:43
